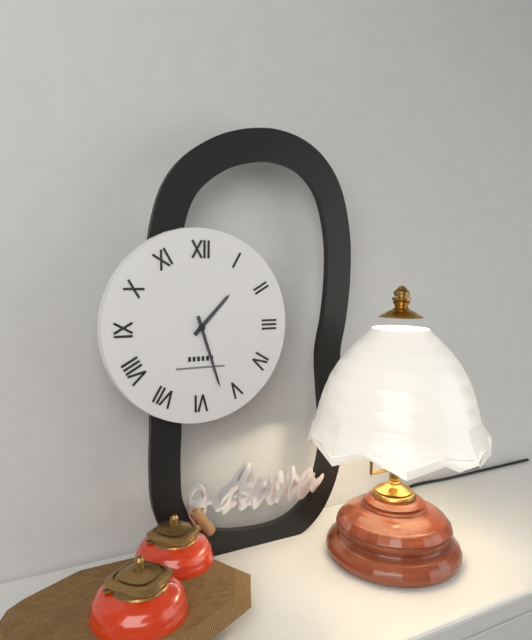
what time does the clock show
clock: 1:27
